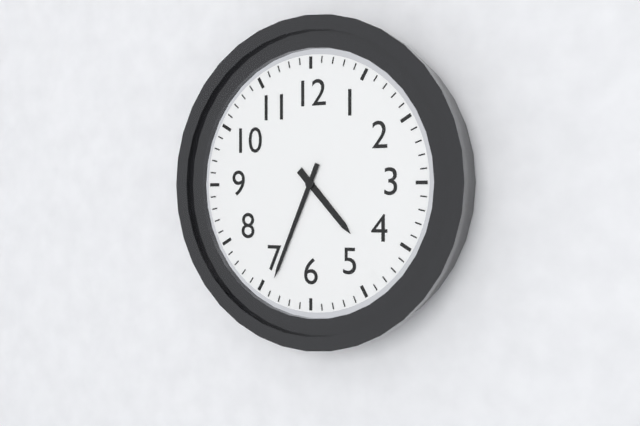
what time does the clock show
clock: 4:34
